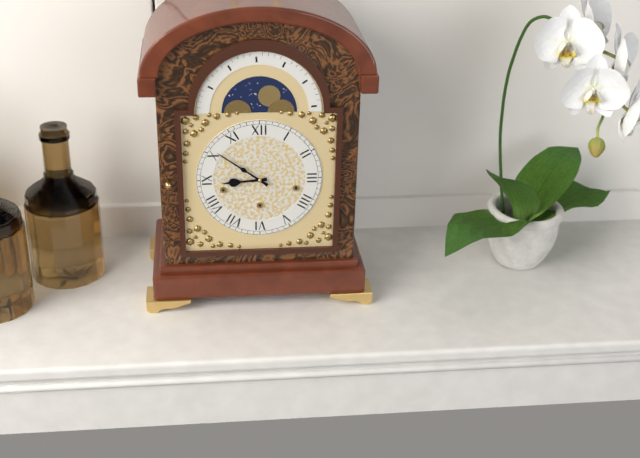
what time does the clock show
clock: 8:51
